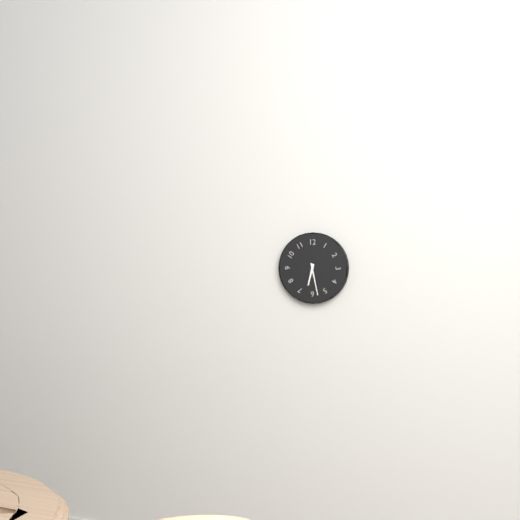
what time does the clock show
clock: 6:28
